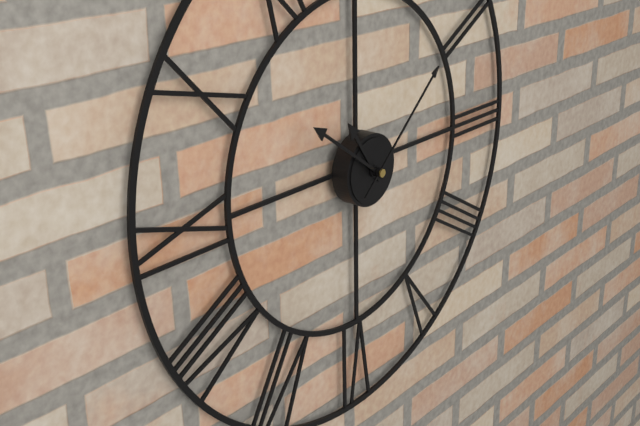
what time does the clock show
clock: 10:51:08
